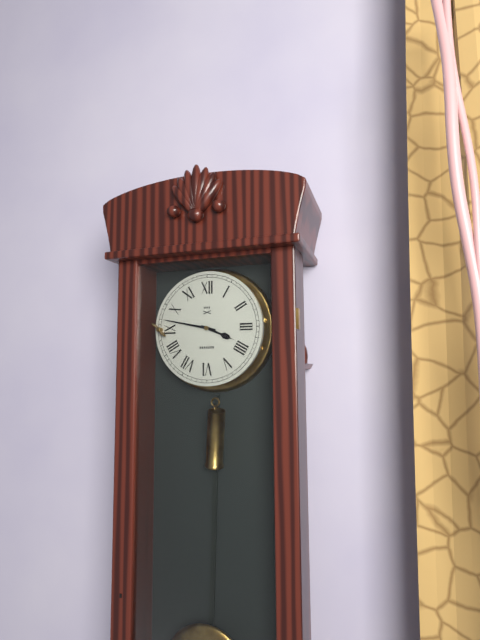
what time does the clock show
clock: 3:47
